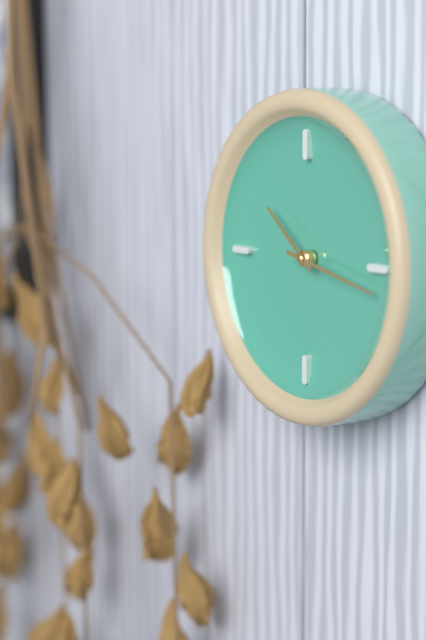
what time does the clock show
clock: 10:17
